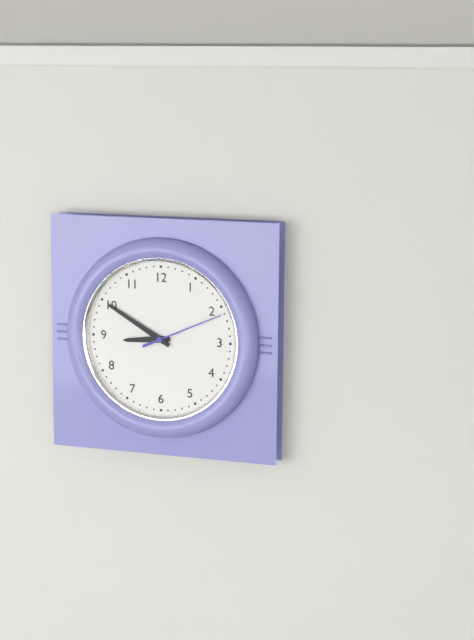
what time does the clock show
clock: 8:50:11
